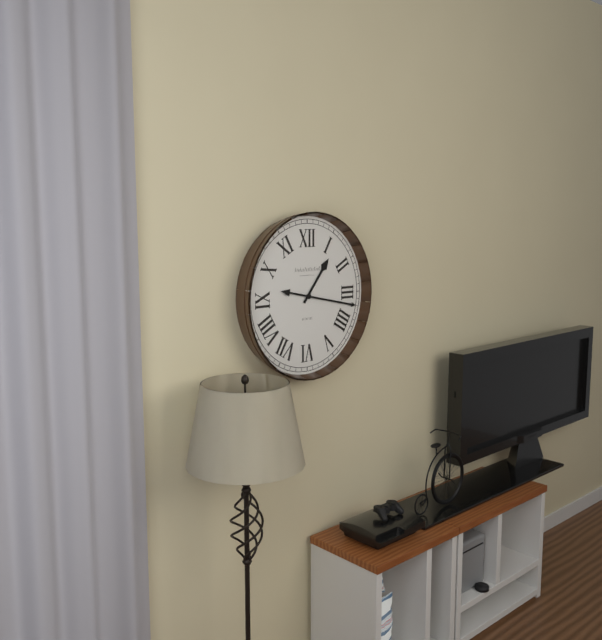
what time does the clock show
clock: 1:17
